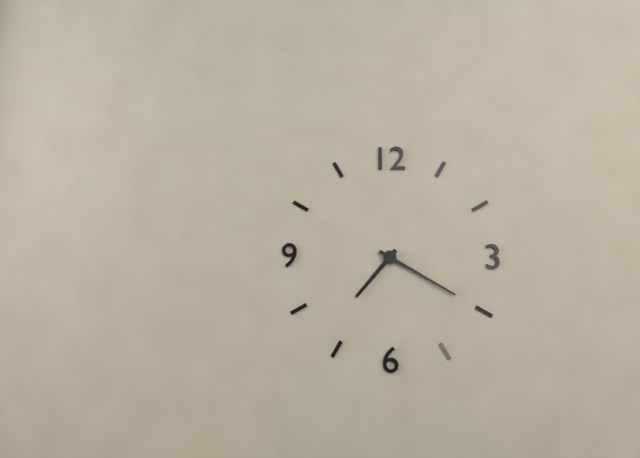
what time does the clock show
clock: 7:20
